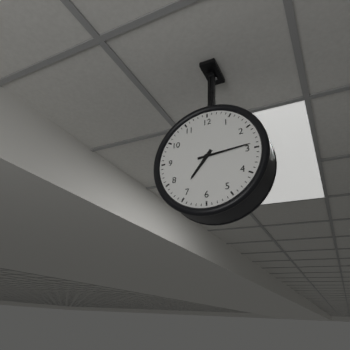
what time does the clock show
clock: 7:14
